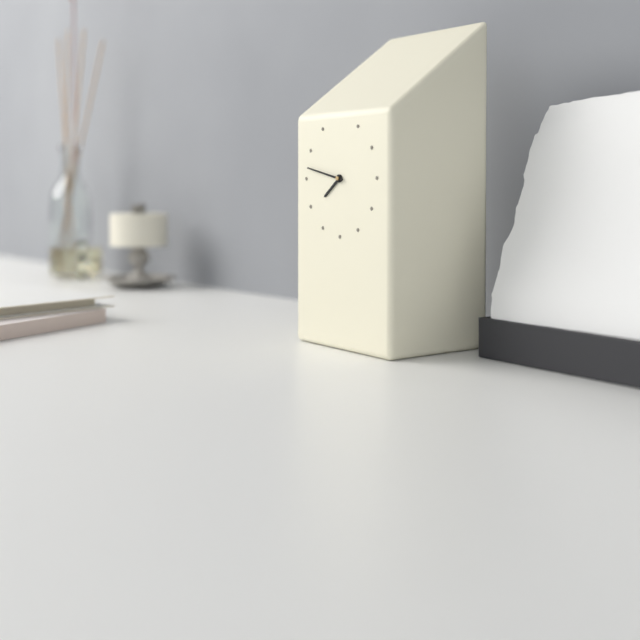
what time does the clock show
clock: 7:47
